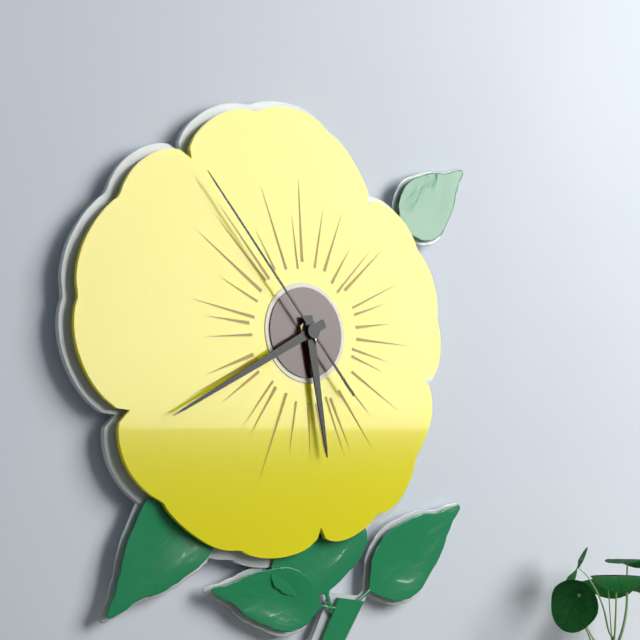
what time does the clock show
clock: 5:40:53
